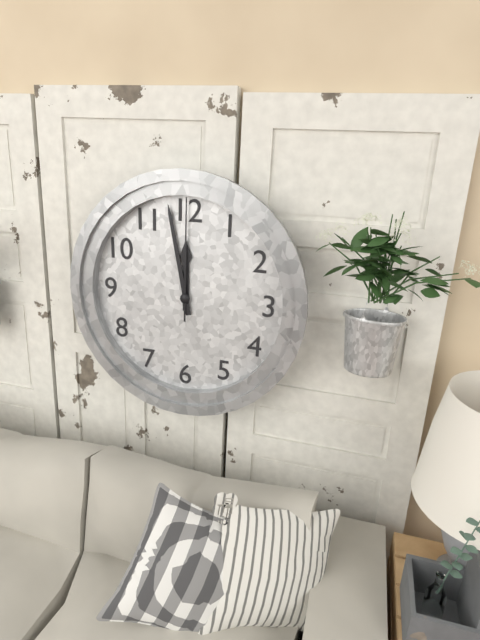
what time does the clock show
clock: 11:58:00
